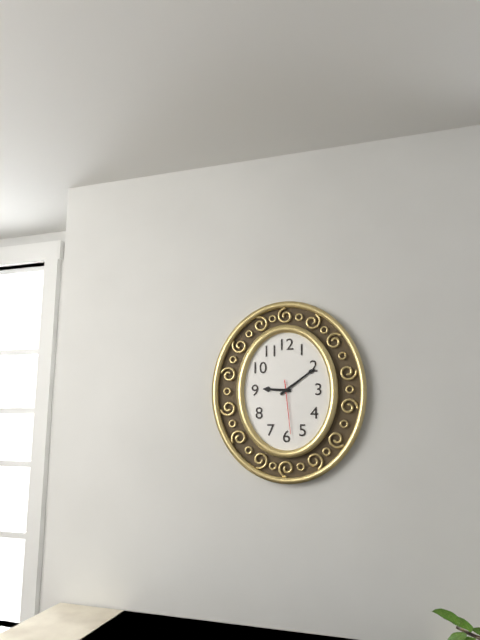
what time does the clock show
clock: 9:09:29
